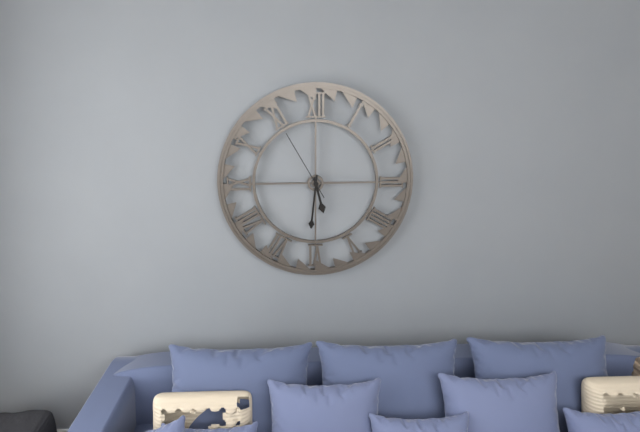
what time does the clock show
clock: 5:31:55
